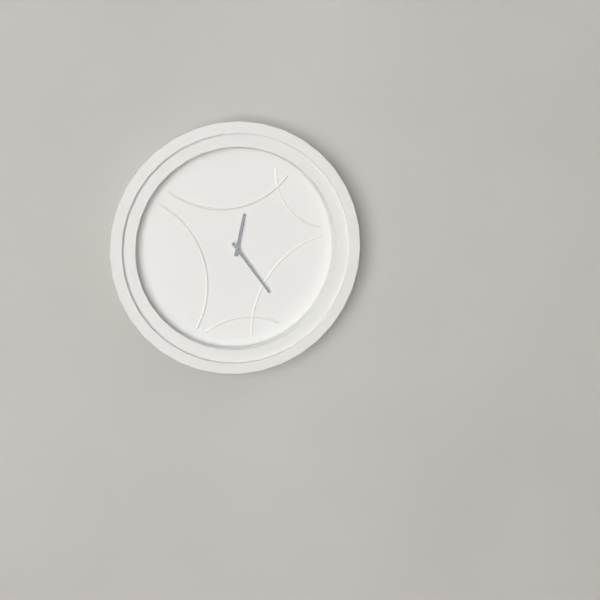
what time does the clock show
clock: 12:24
